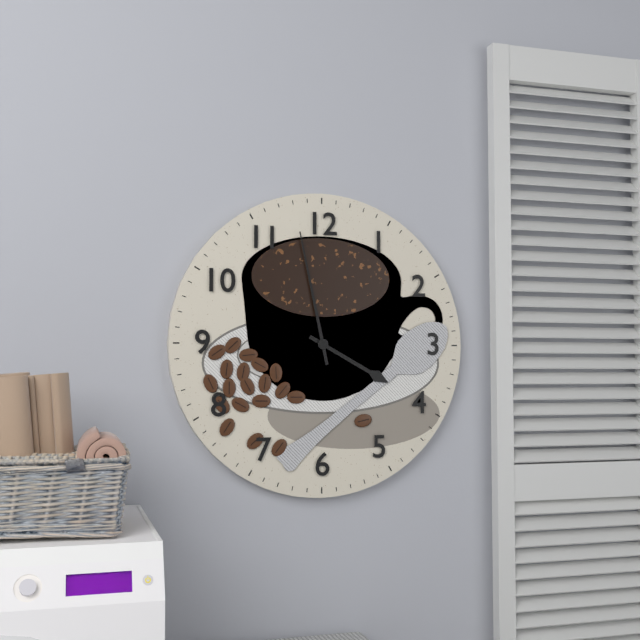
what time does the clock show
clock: 3:58
